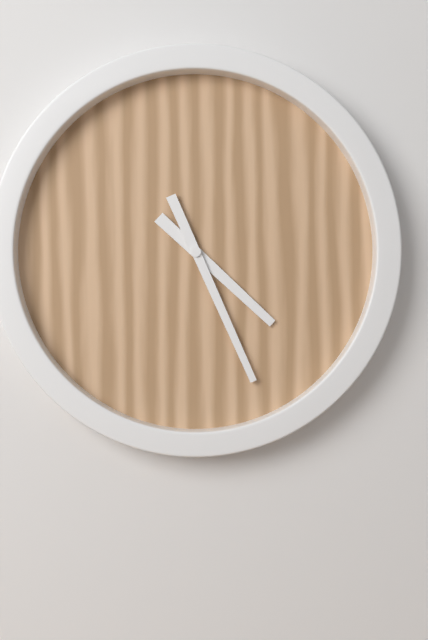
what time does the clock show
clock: 4:26
